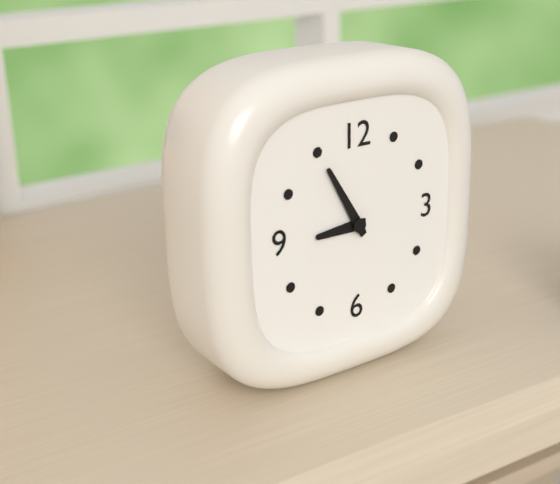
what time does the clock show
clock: 8:55
